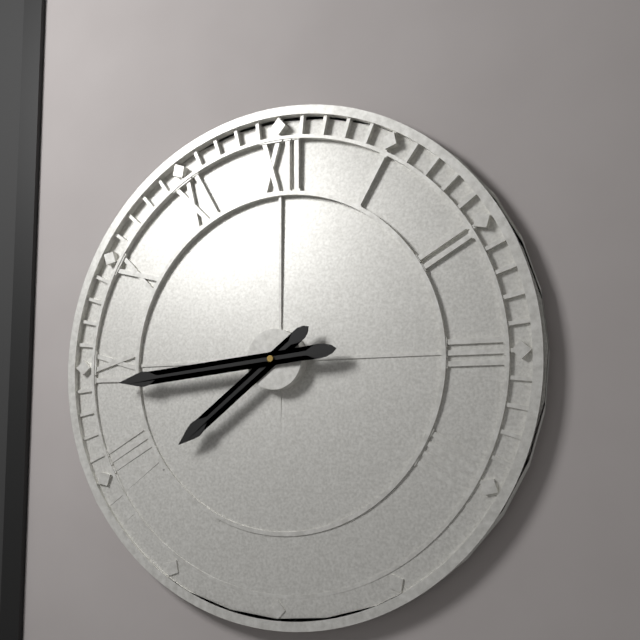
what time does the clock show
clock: 7:44
